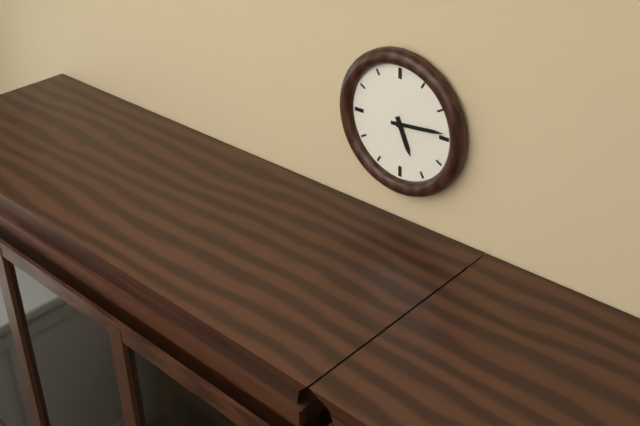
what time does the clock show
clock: 5:14
